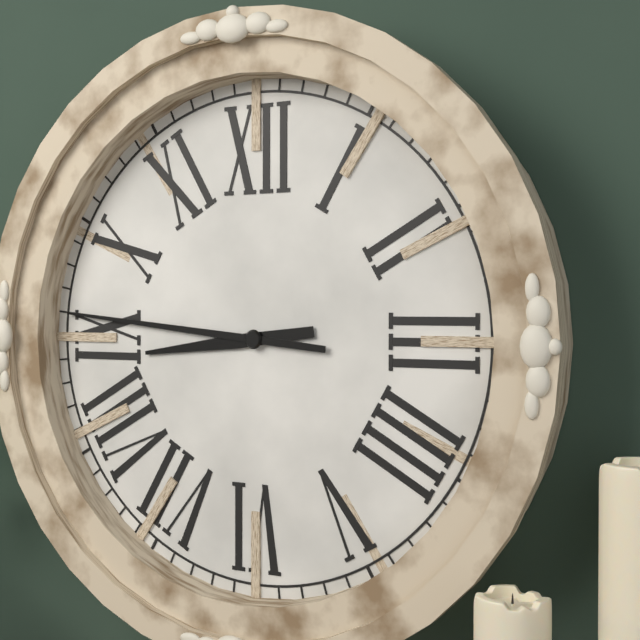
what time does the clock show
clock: 8:46
